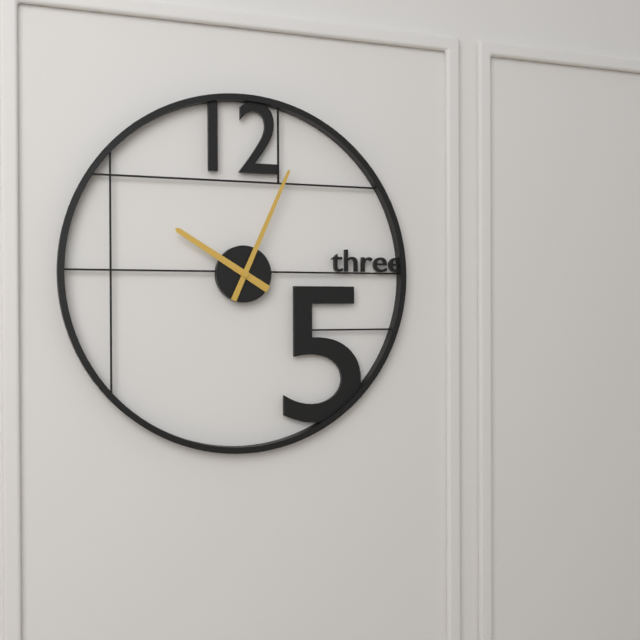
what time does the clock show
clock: 10:04
